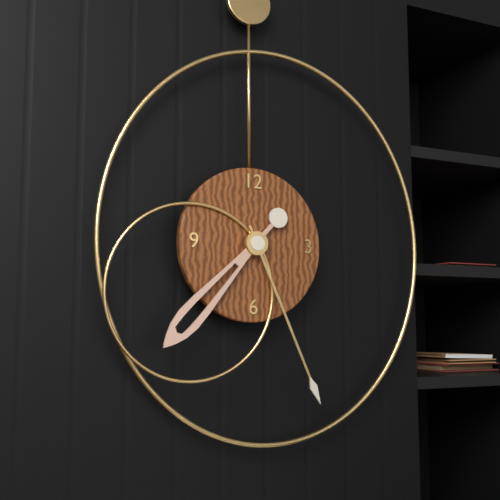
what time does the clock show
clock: 7:26
